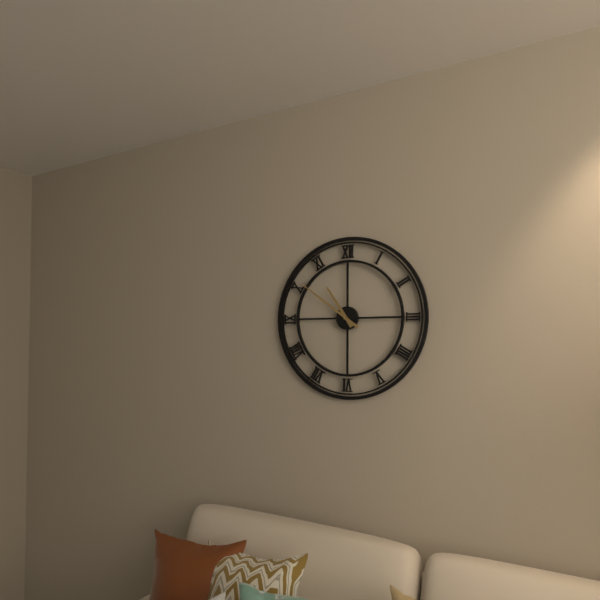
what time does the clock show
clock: 10:51
